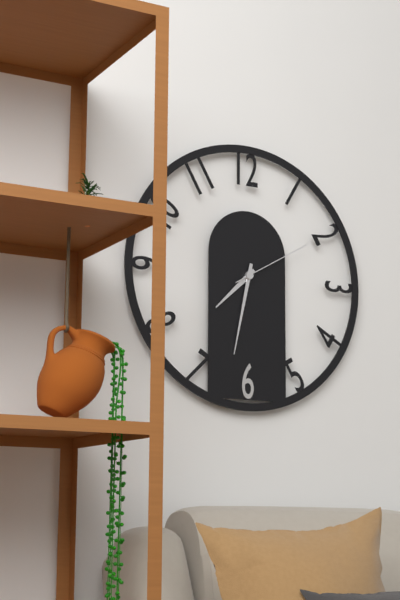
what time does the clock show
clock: 7:32:10
